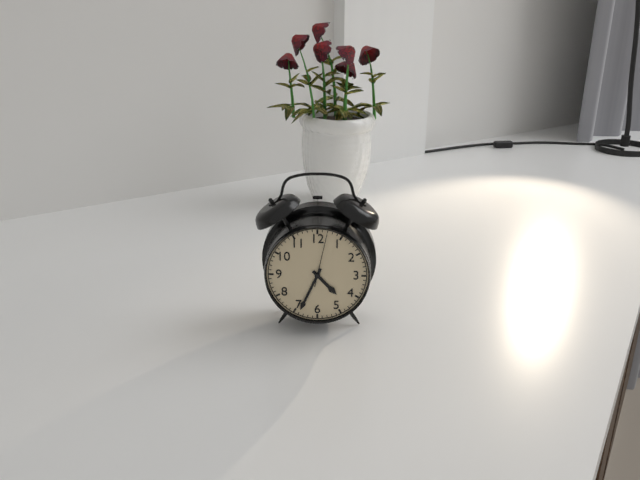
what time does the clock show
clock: 4:34:02
